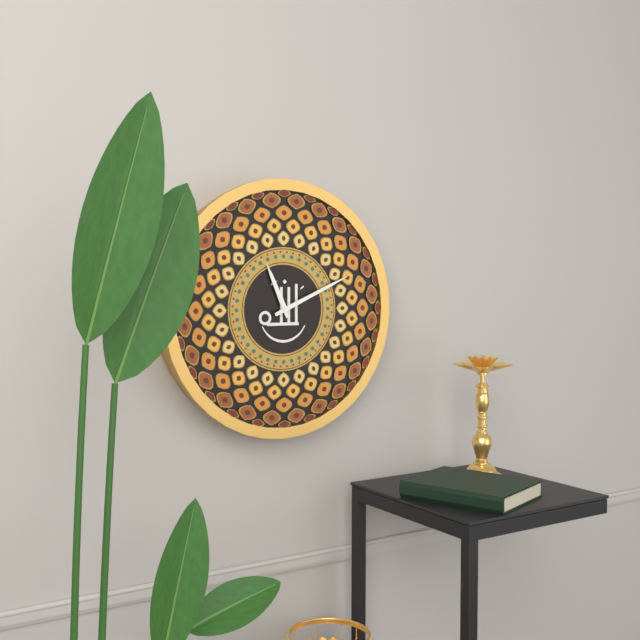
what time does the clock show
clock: 11:11
